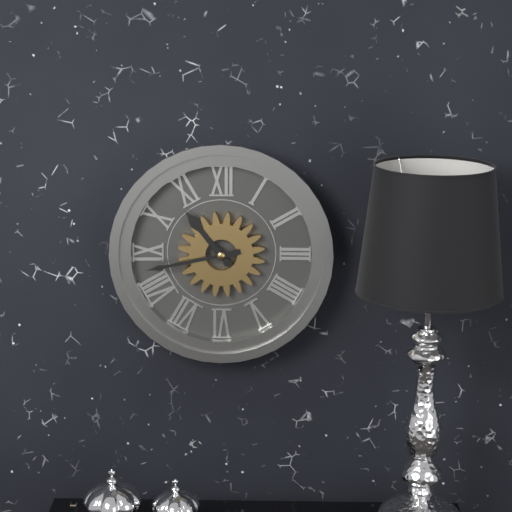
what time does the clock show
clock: 10:43
